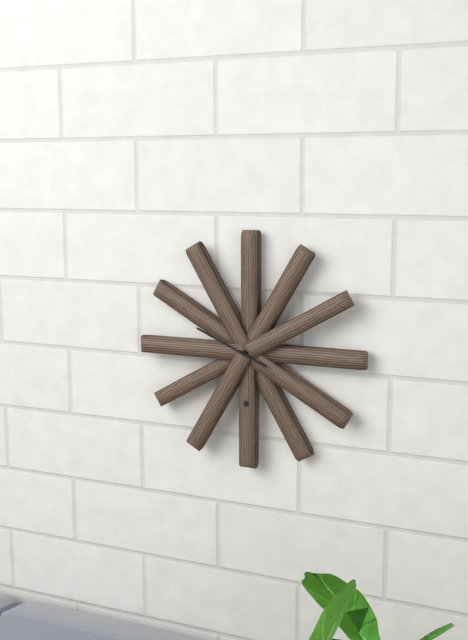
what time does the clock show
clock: 3:49
